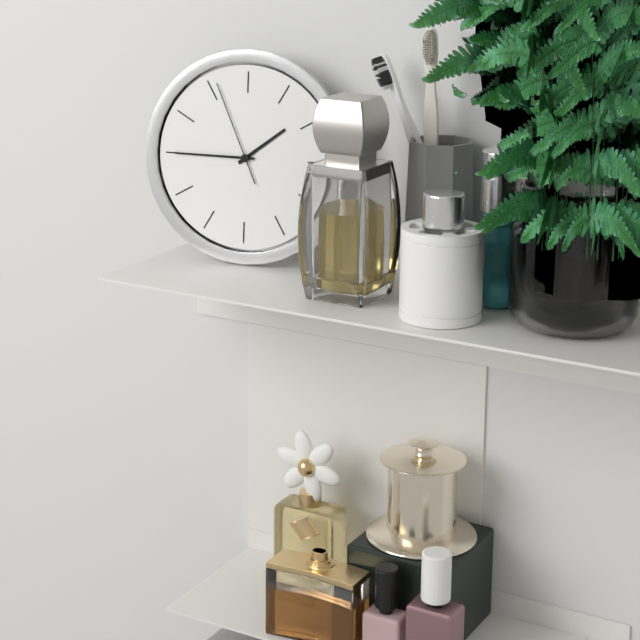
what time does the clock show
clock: 1:45:56
